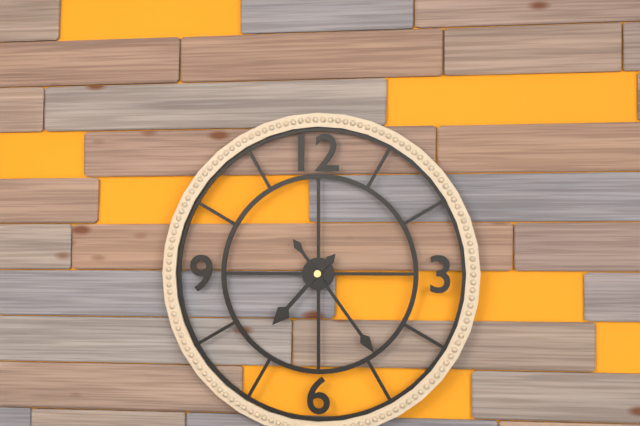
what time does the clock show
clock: 7:24
